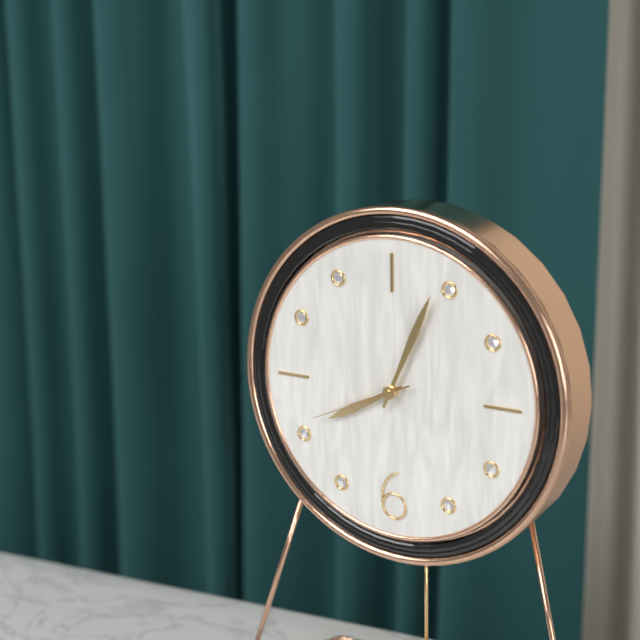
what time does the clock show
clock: 8:04:41
